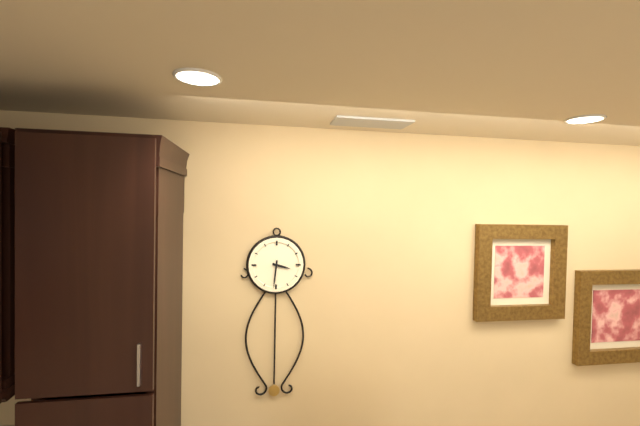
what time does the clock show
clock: 3:31
